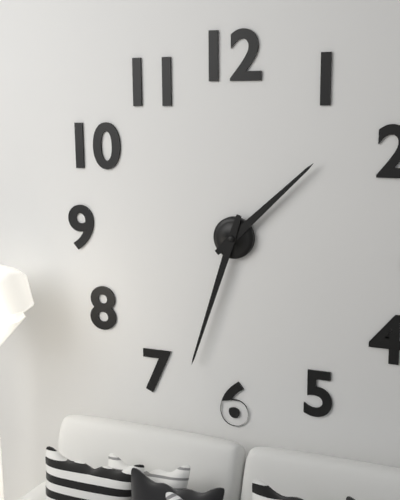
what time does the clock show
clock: 1:33
